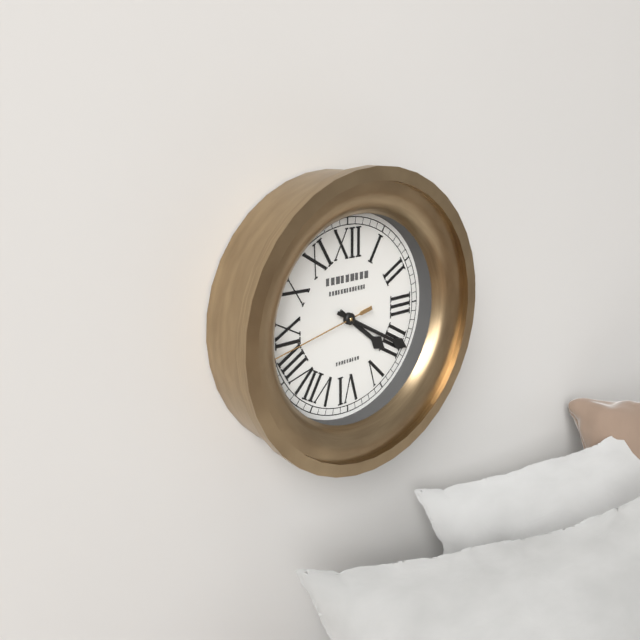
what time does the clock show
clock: 4:20:43
